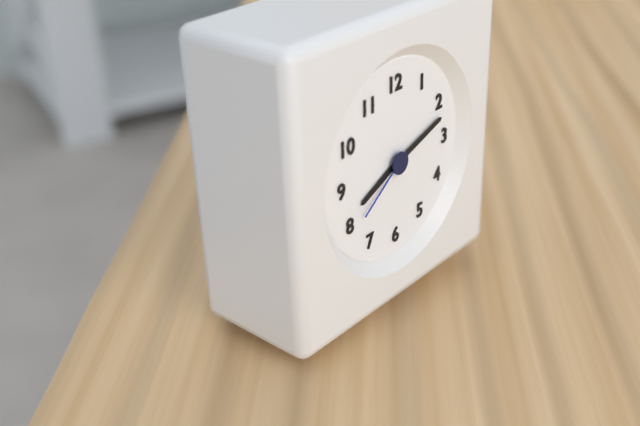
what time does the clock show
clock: 8:12:39
